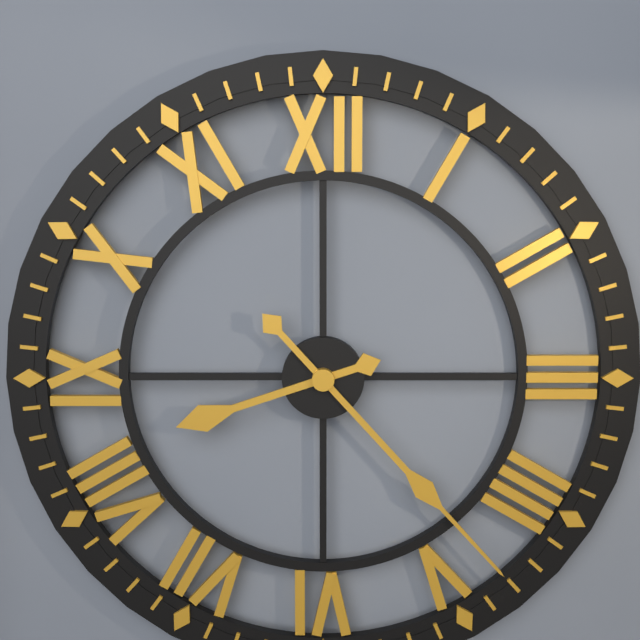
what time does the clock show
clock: 8:23
